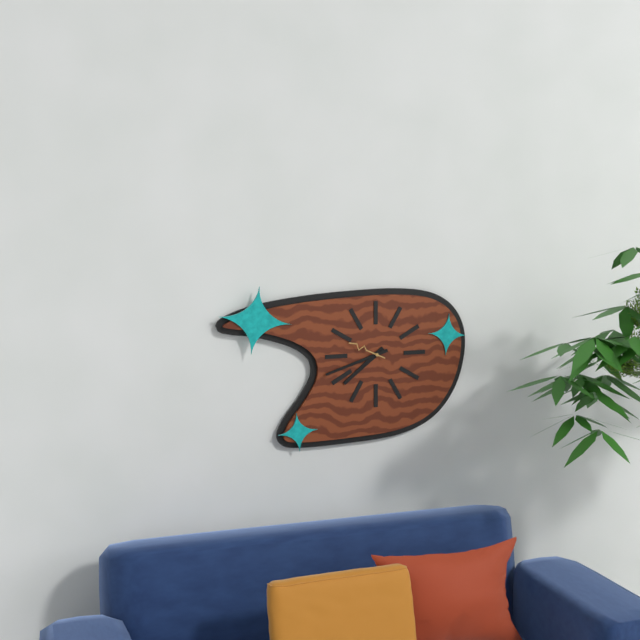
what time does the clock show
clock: 7:42
